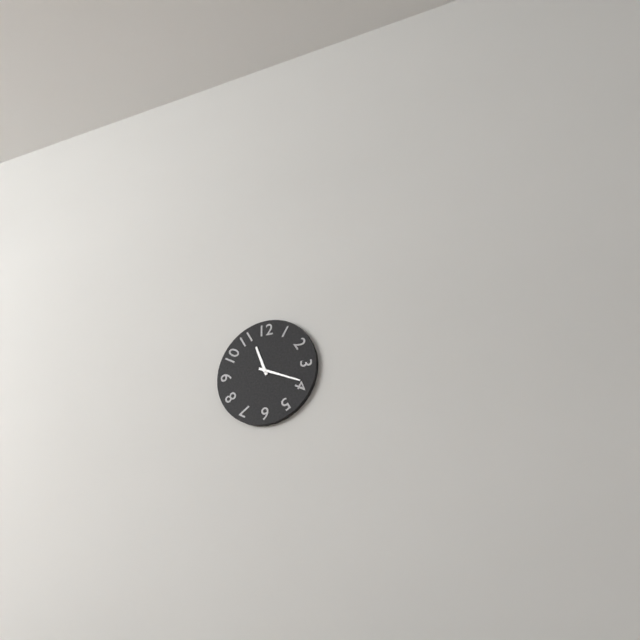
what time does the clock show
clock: 11:19
